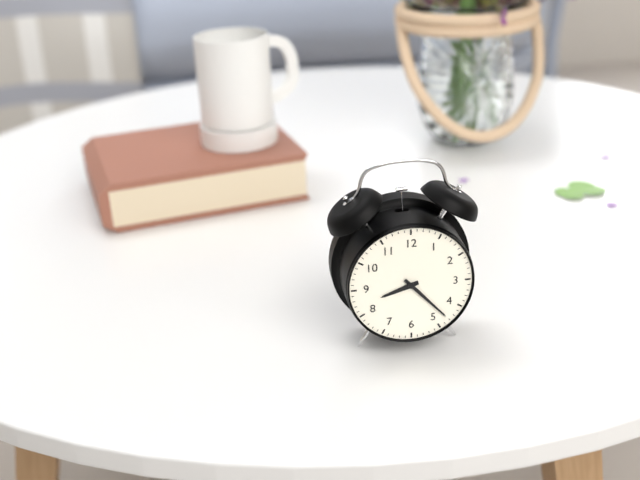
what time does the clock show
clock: 8:23
